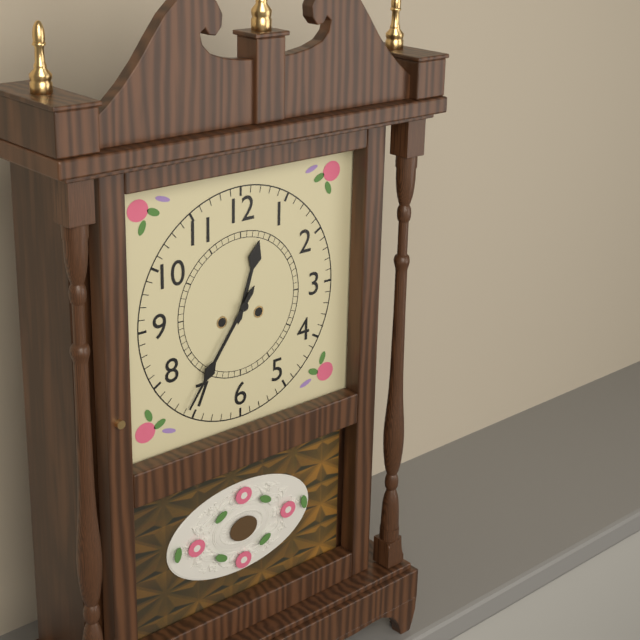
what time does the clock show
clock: 12:36
